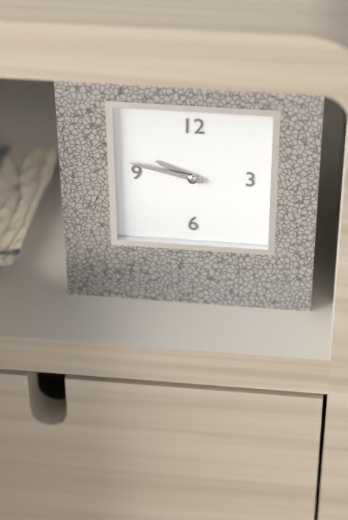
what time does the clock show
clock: 9:47
